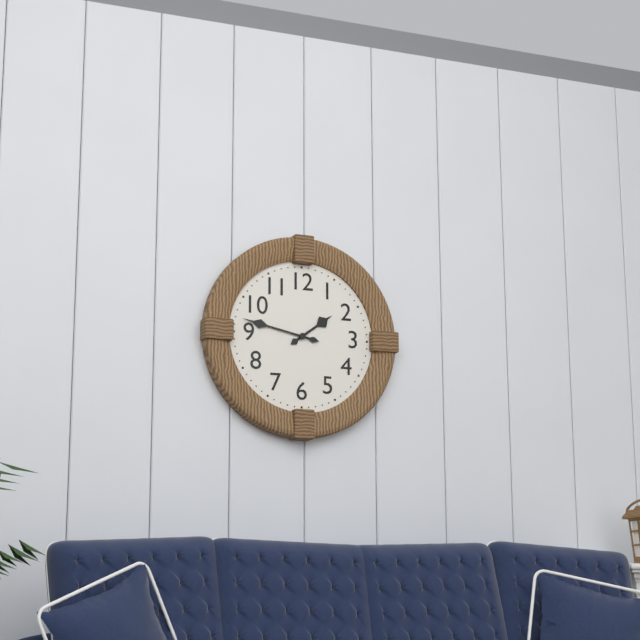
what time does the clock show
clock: 1:47
